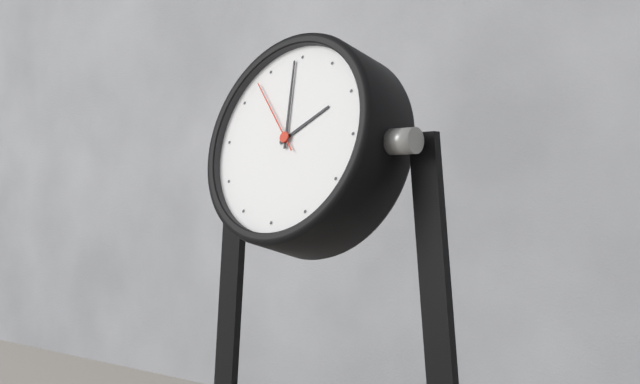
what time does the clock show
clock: 1:59:53
